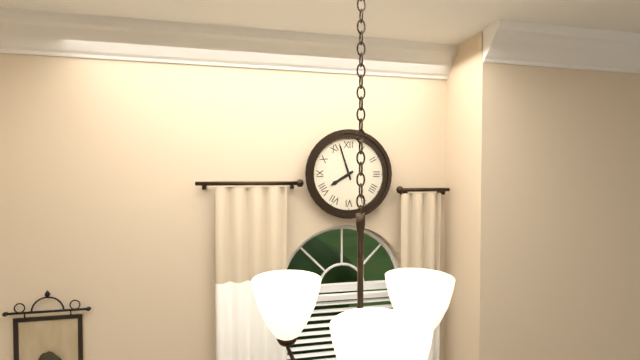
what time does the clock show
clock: 7:57
